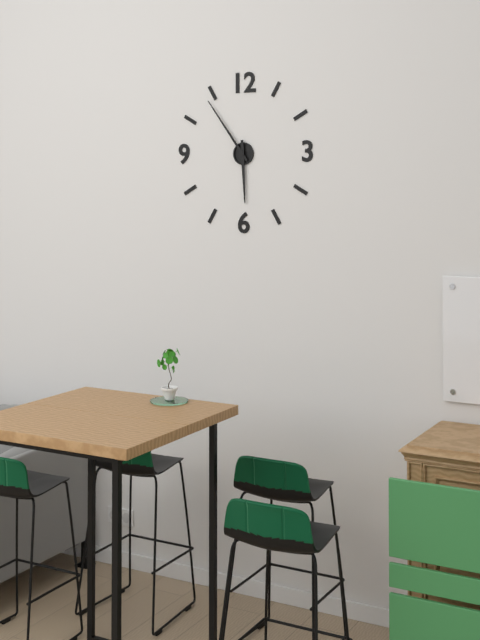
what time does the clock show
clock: 5:54
